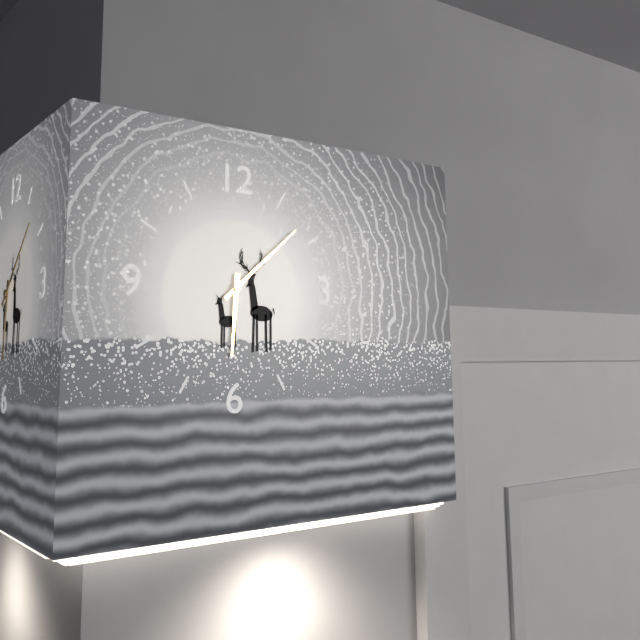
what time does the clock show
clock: 6:08
